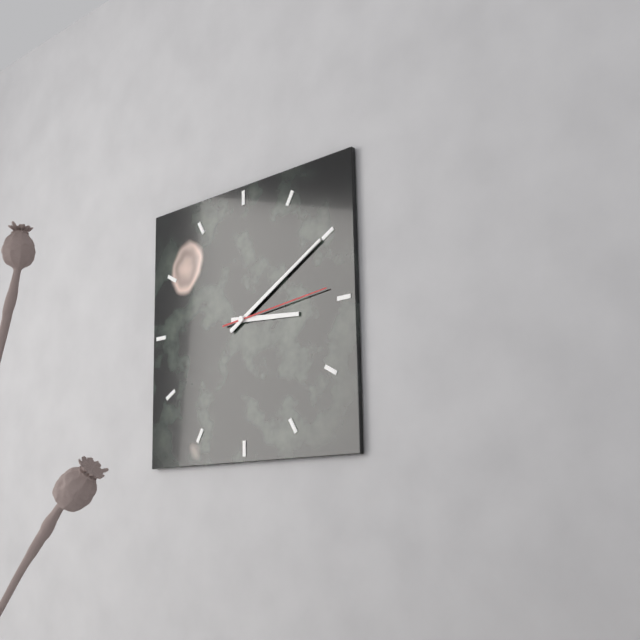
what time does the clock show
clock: 3:10:14
